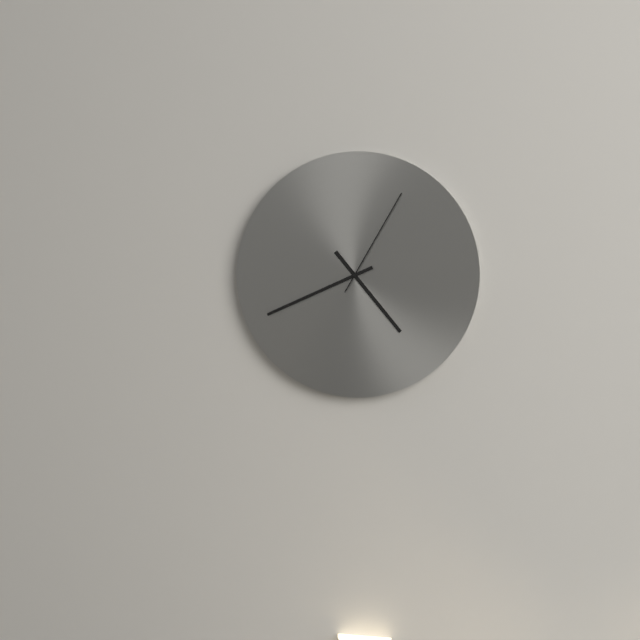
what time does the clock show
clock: 4:41:05
